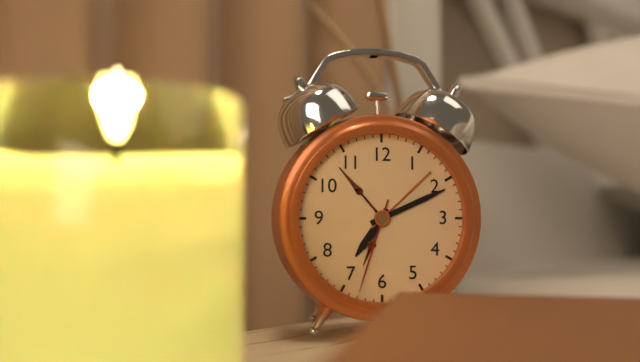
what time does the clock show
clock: 7:11:33
